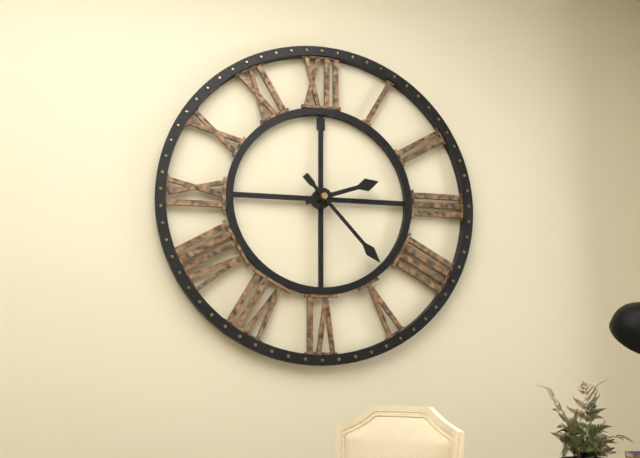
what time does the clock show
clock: 2:23
